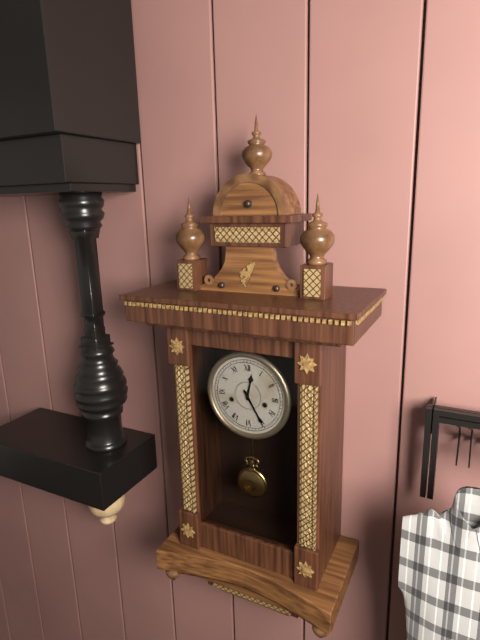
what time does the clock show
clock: 12:25
